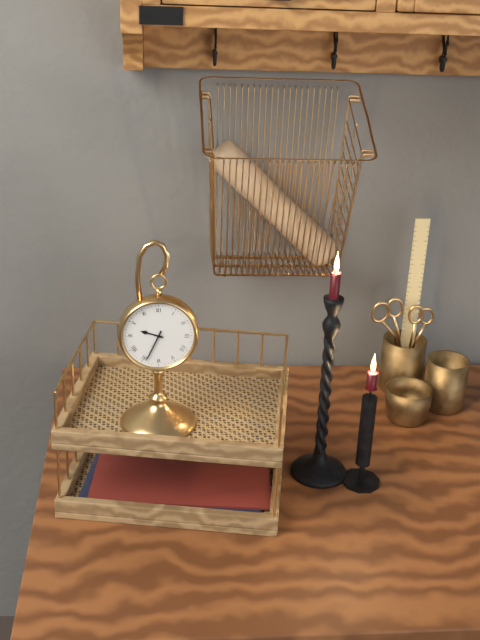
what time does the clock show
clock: 9:34
